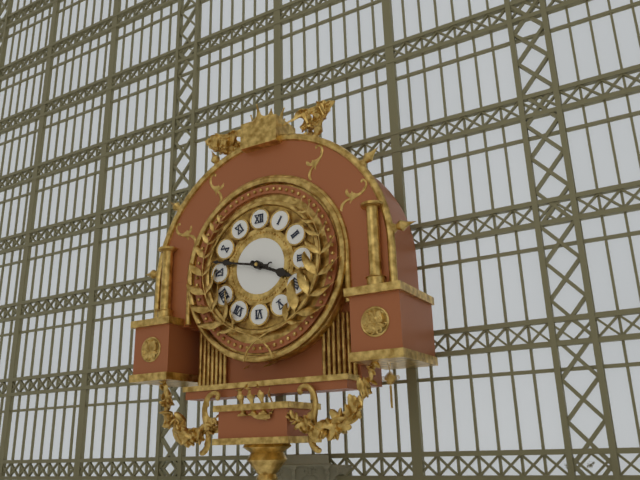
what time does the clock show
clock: 3:47
